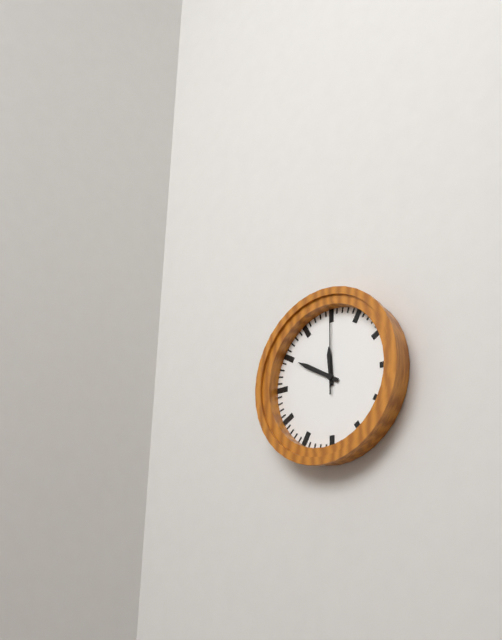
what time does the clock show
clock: 11:50:00
